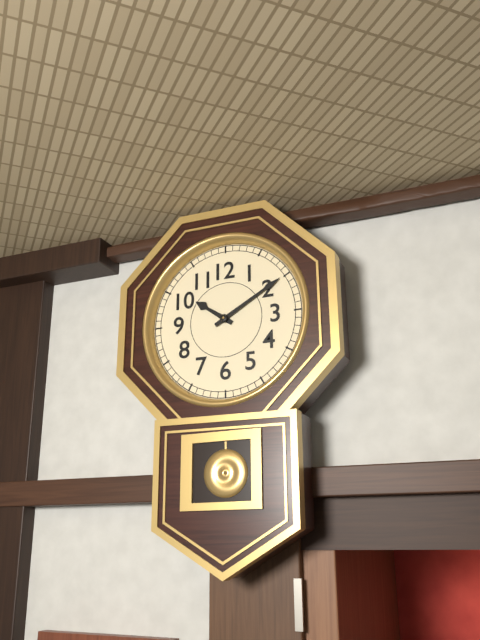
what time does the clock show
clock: 10:10
